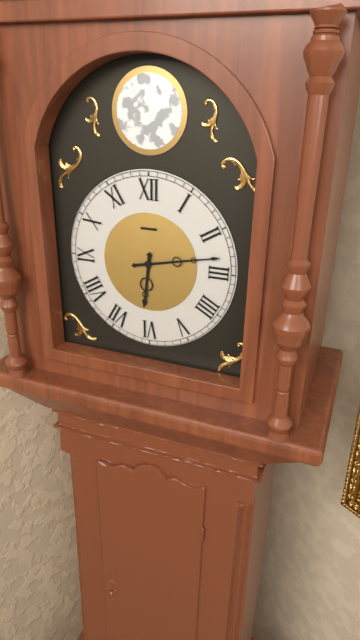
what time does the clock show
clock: 6:13
